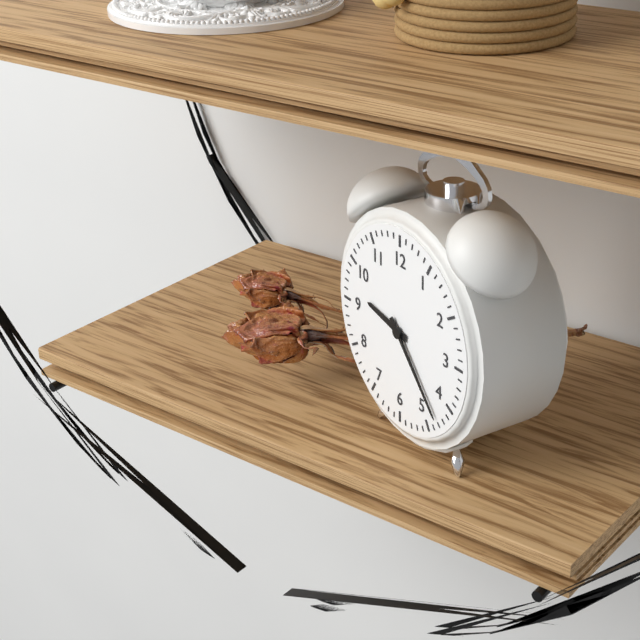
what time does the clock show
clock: 9:23
